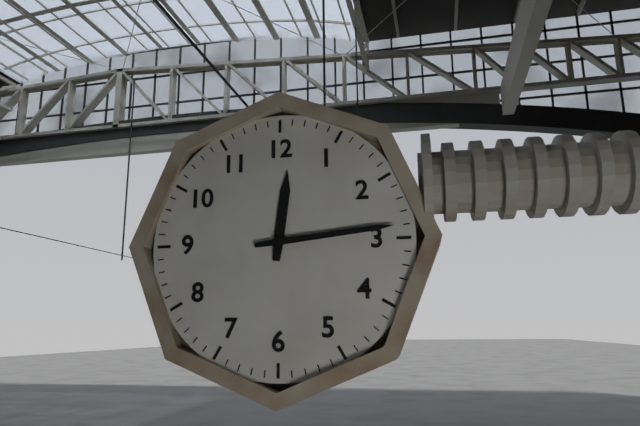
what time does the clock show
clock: 12:14
